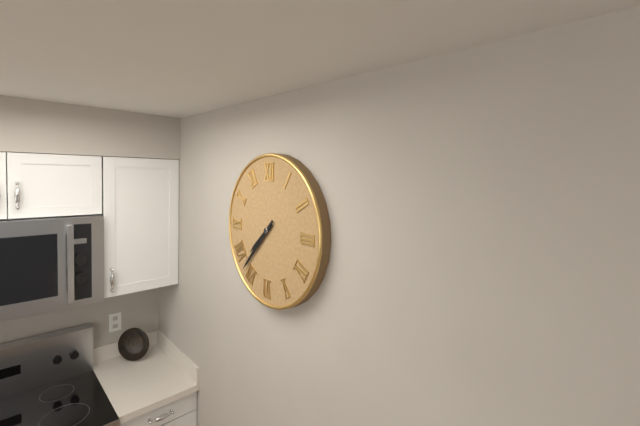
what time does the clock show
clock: 7:37
